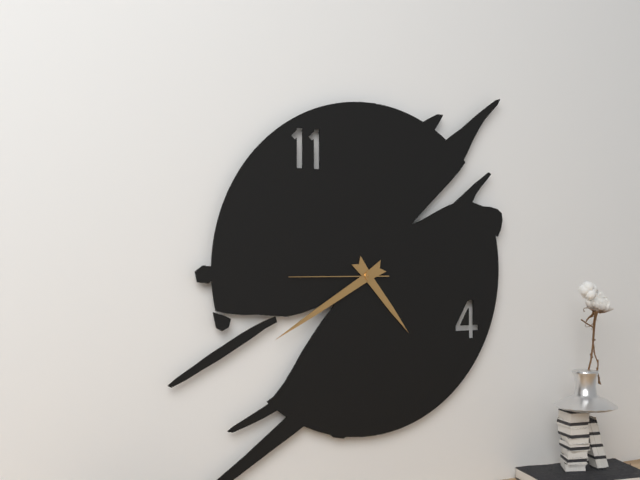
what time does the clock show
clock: 4:40:45
